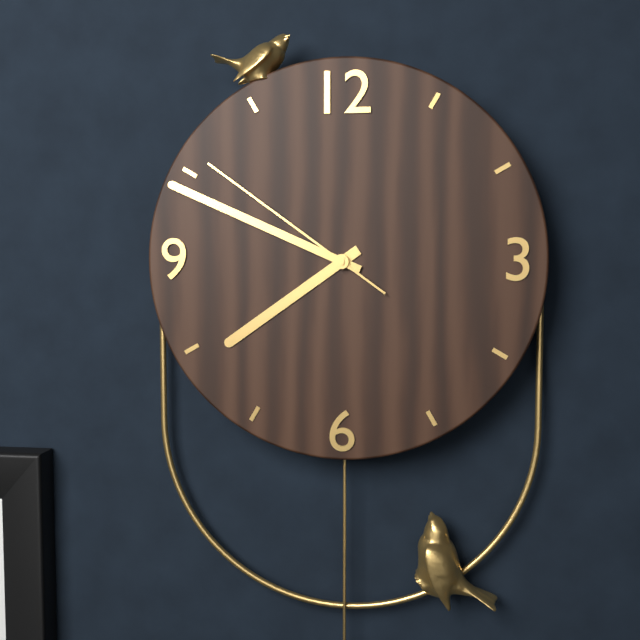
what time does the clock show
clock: 7:49:51
